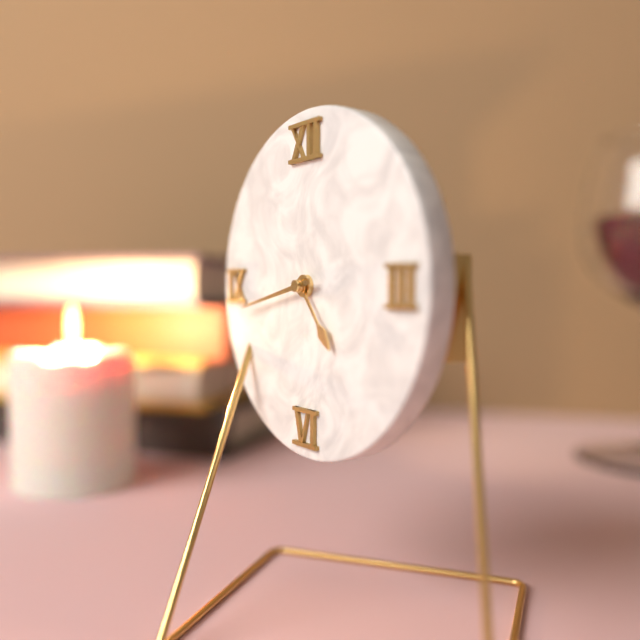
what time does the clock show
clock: 4:43
